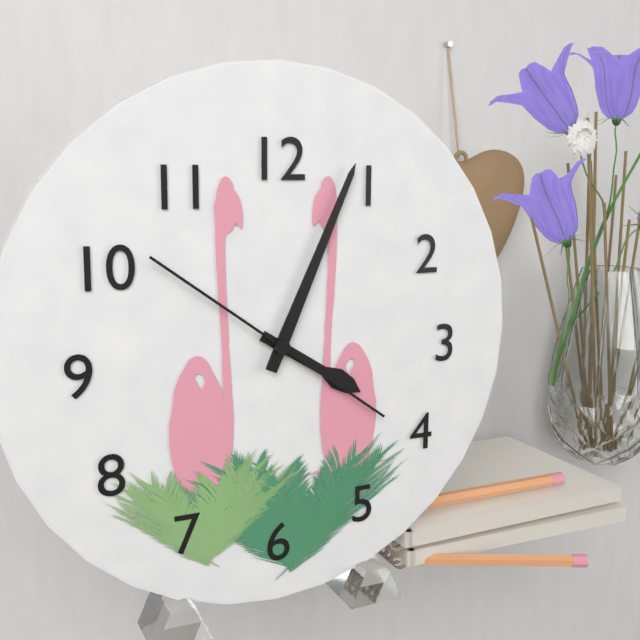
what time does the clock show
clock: 4:04:51
